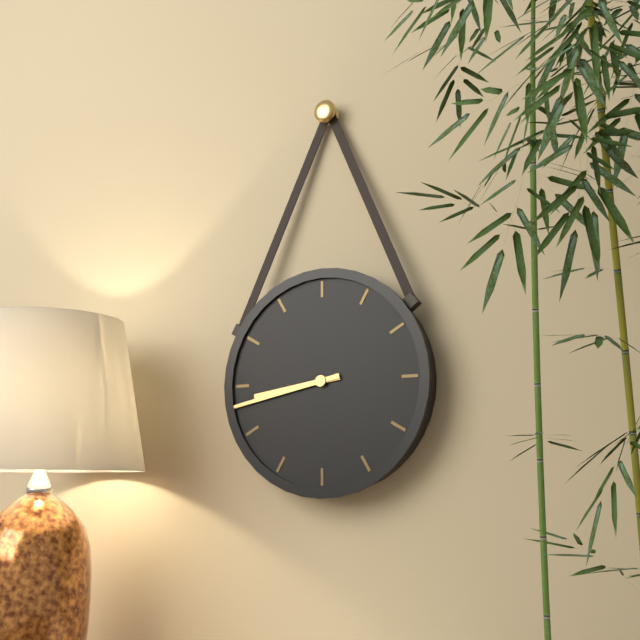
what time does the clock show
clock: 8:43
